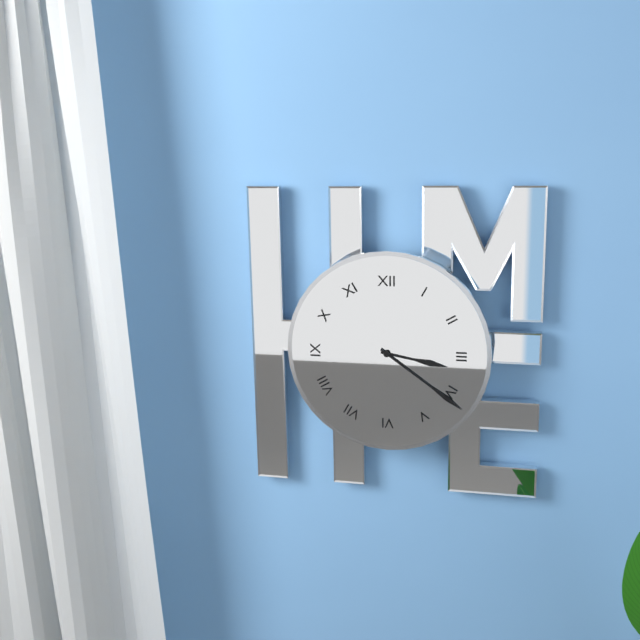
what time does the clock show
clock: 3:21
